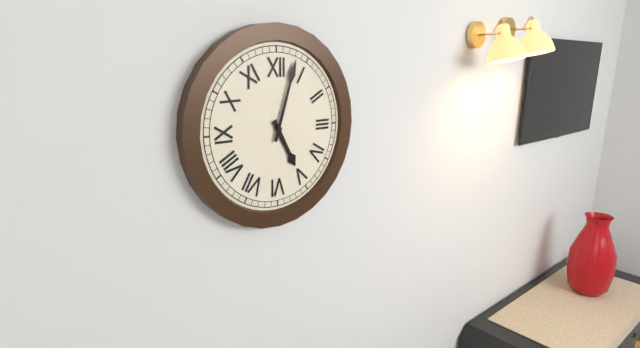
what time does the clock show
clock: 5:03
